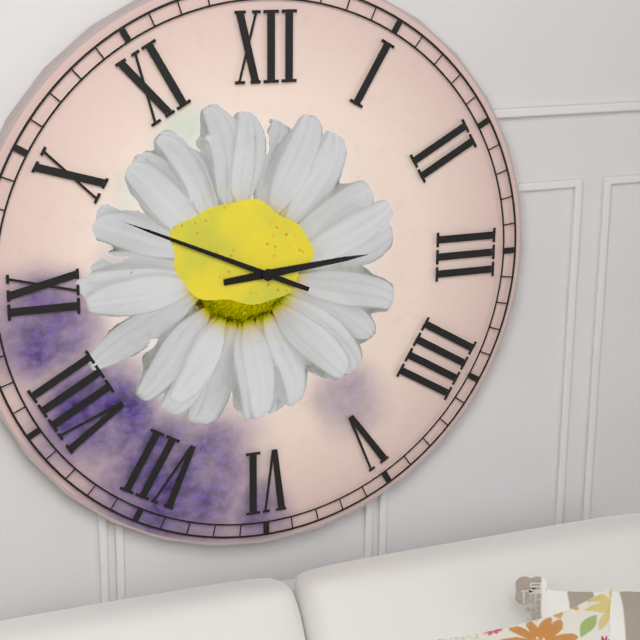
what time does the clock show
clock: 2:49
